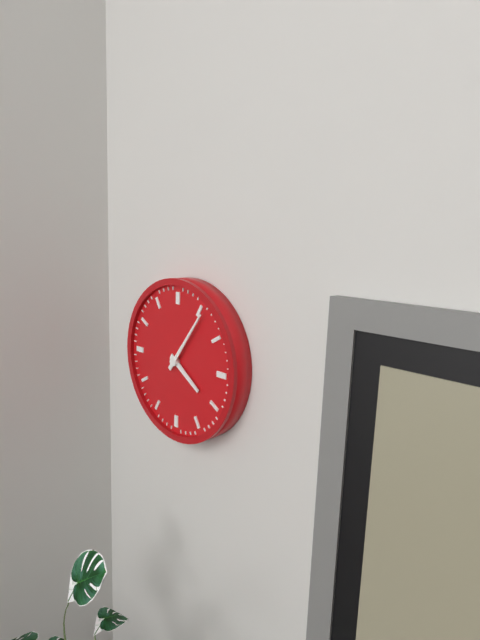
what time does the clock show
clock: 4:06
